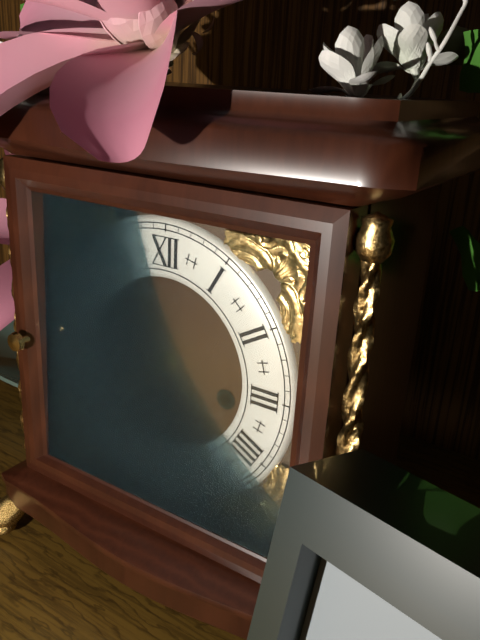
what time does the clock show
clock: 7:35
